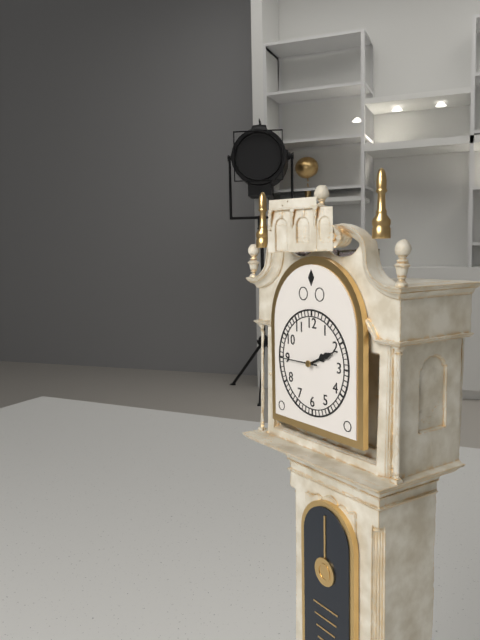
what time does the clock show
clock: 2:11
